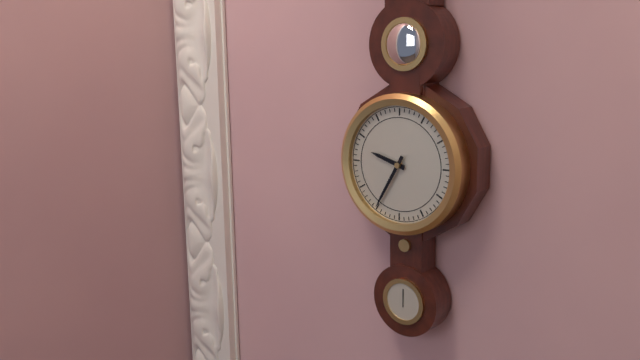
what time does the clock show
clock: 9:35
